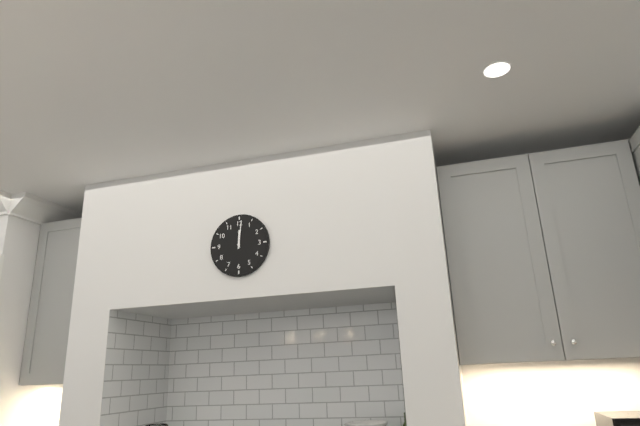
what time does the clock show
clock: 12:01
